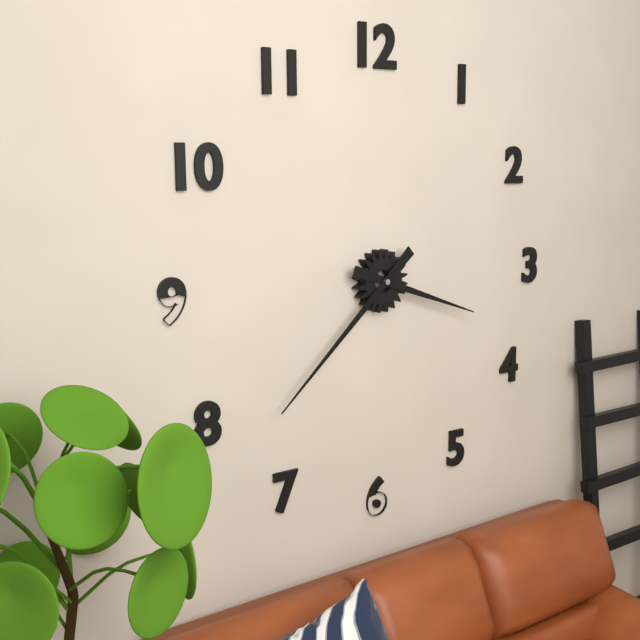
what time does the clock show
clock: 3:38
